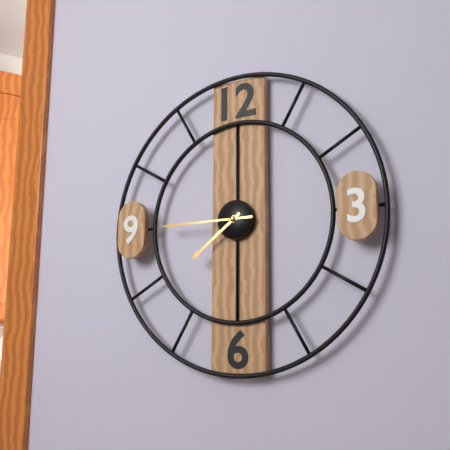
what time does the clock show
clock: 7:45
